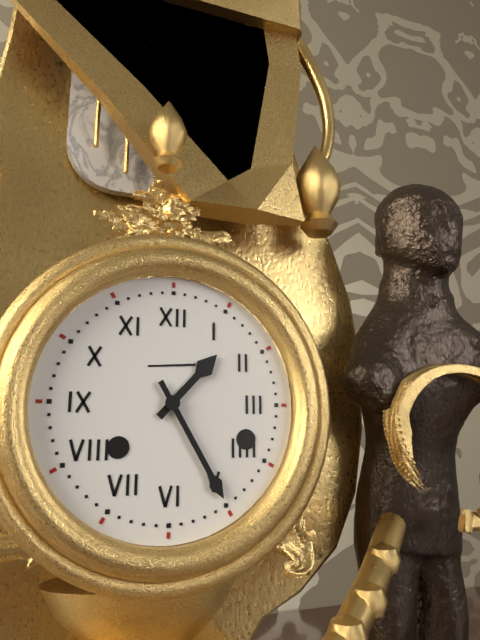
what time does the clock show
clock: 1:25
